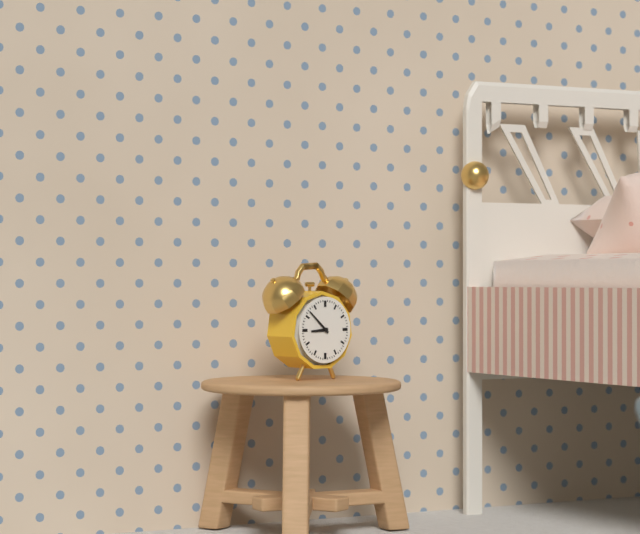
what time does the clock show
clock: 8:52
